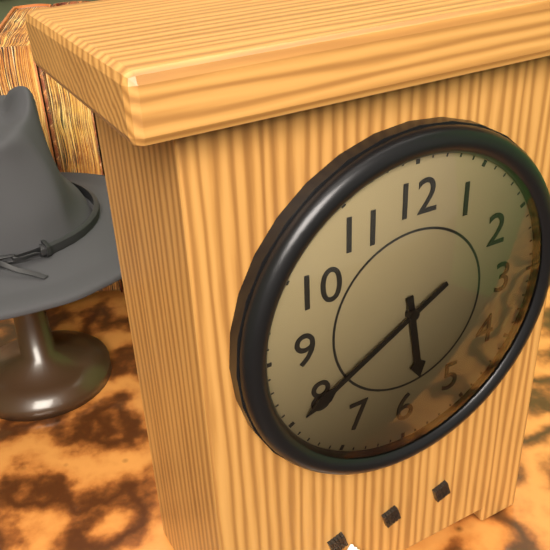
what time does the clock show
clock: 5:40
